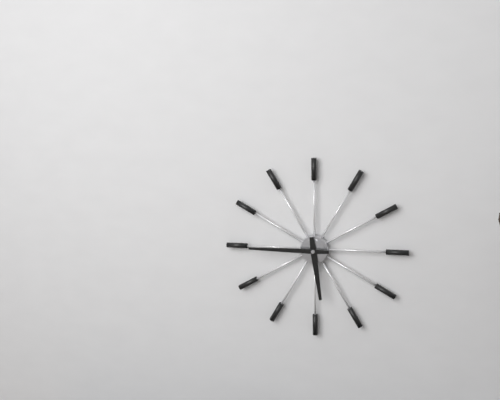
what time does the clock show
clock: 5:45
